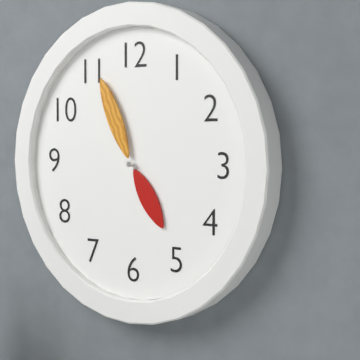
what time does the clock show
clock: 4:56
